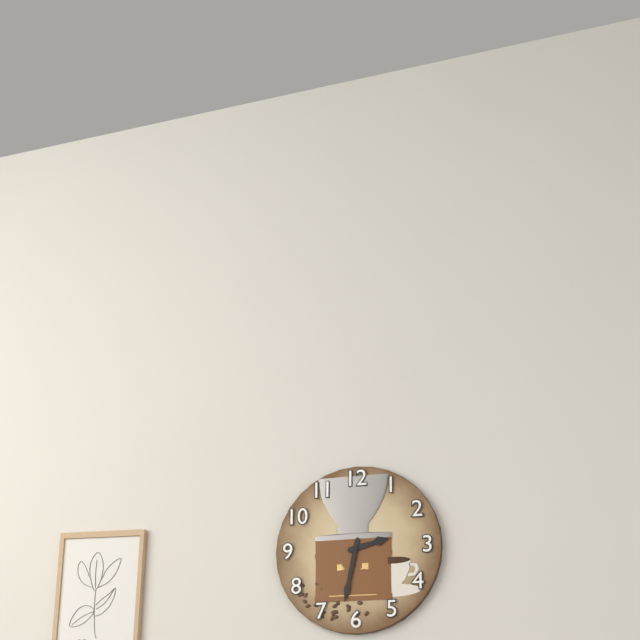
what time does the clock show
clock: 2:32
